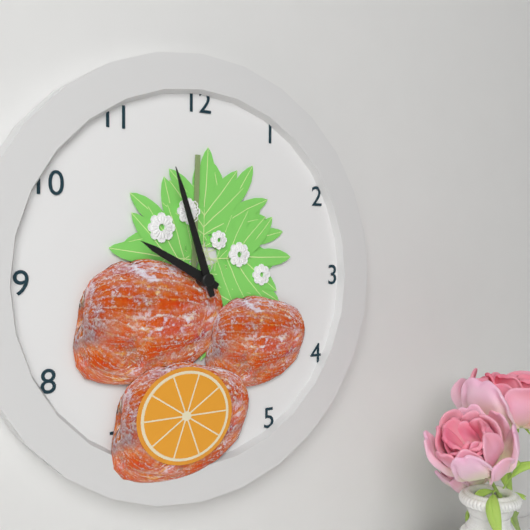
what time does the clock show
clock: 9:57
